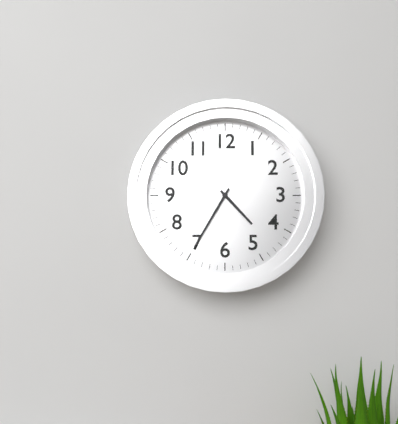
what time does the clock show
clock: 4:35
